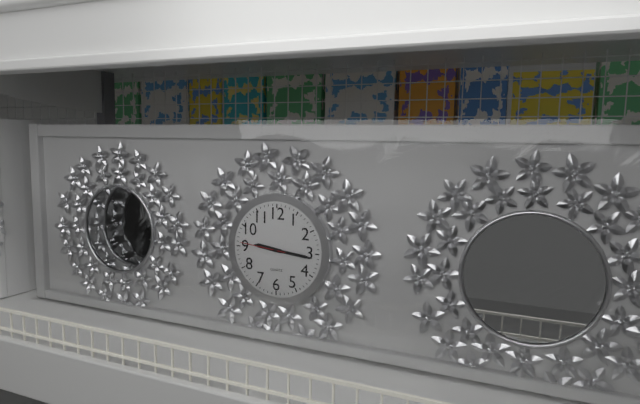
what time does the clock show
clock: 9:16
